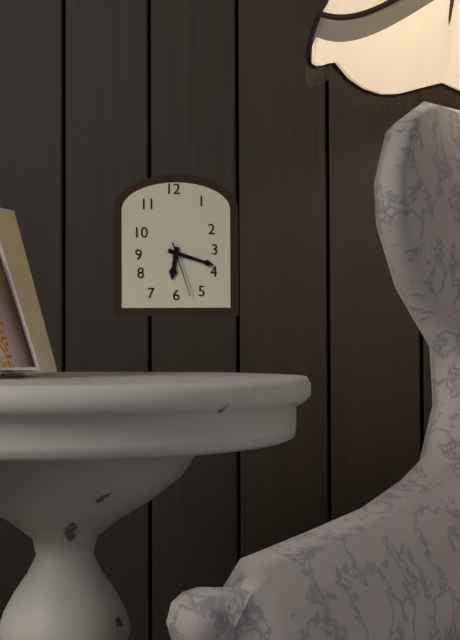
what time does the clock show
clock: 6:18:27
